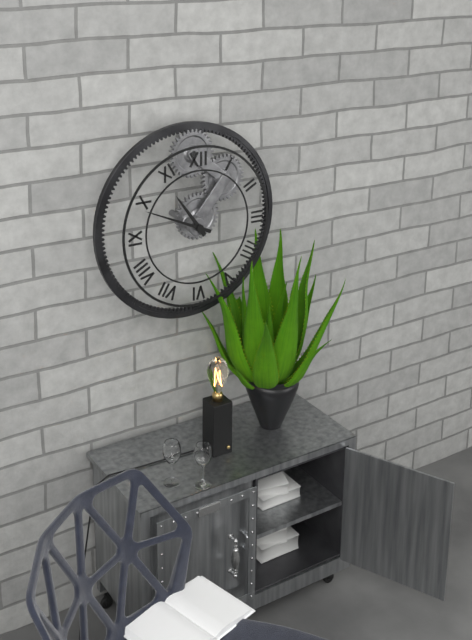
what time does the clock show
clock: 10:49
